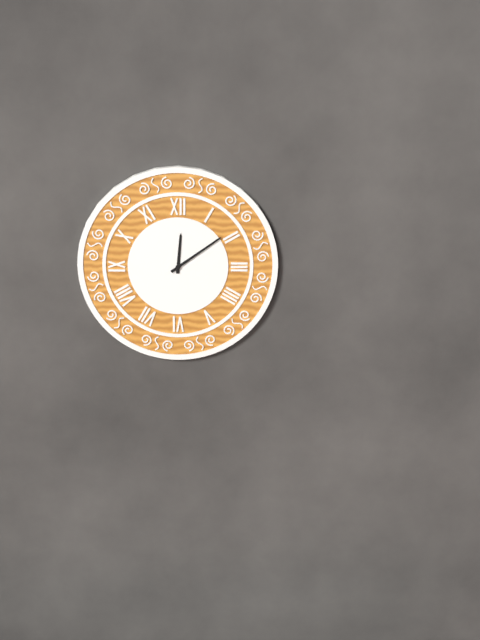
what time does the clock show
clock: 12:09
